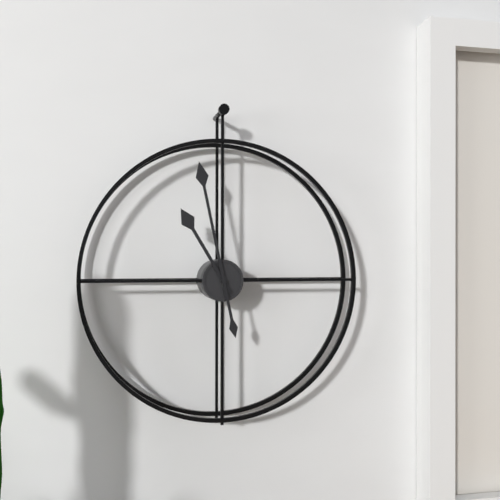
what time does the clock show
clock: 10:58
